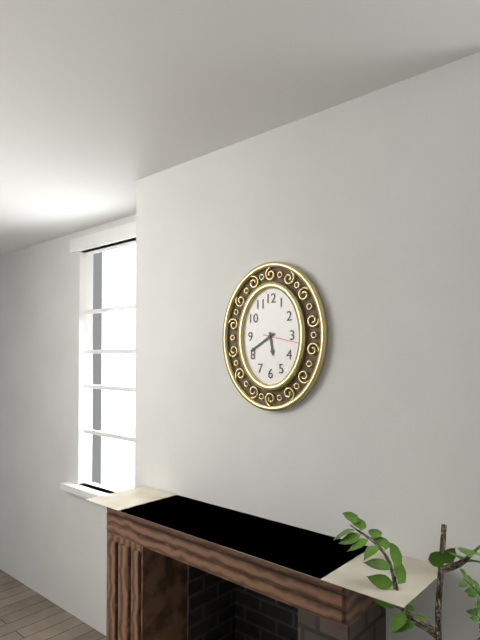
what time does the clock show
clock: 5:40
